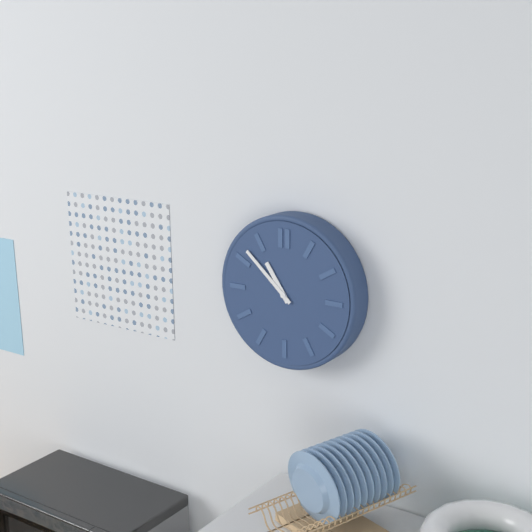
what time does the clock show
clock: 10:52
